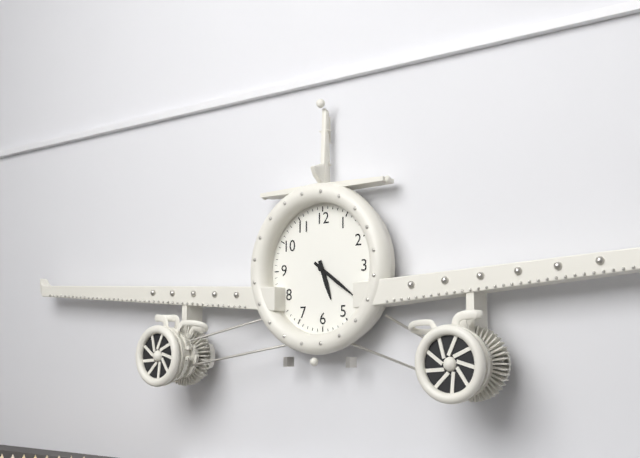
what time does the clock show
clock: 5:21
